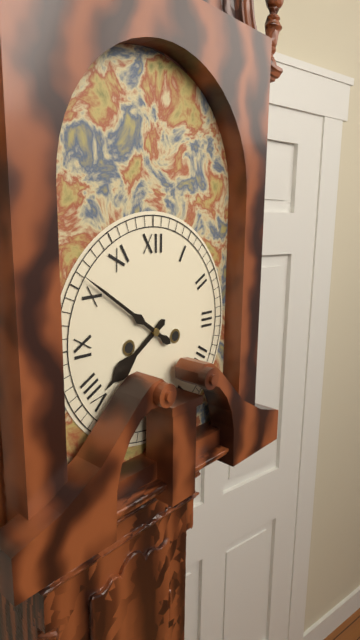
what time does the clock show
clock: 7:51
